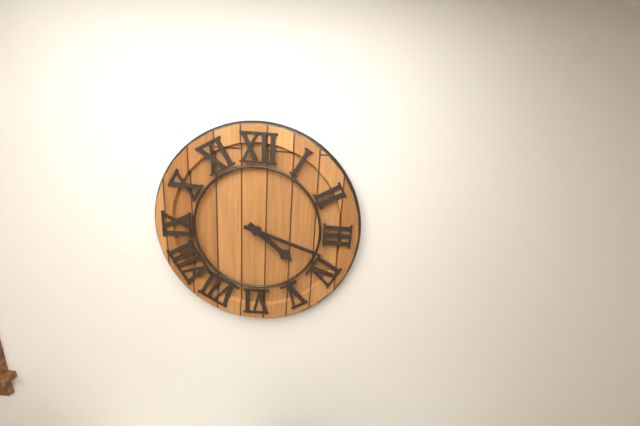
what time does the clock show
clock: 4:18
